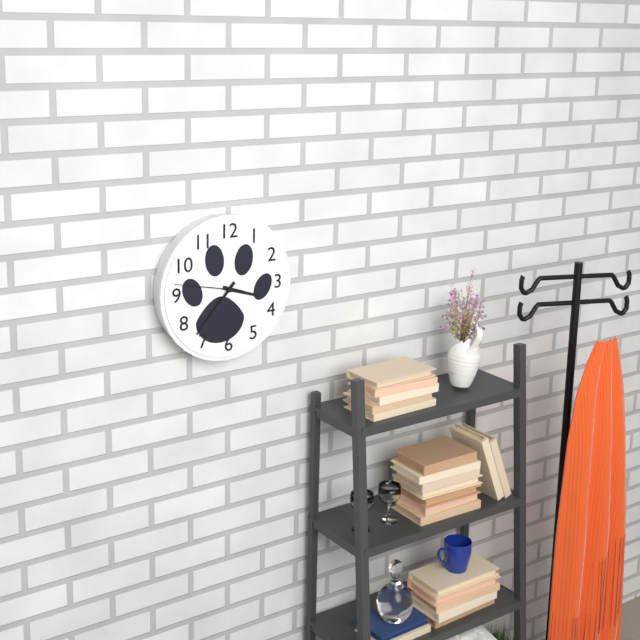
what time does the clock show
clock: 3:37:47
